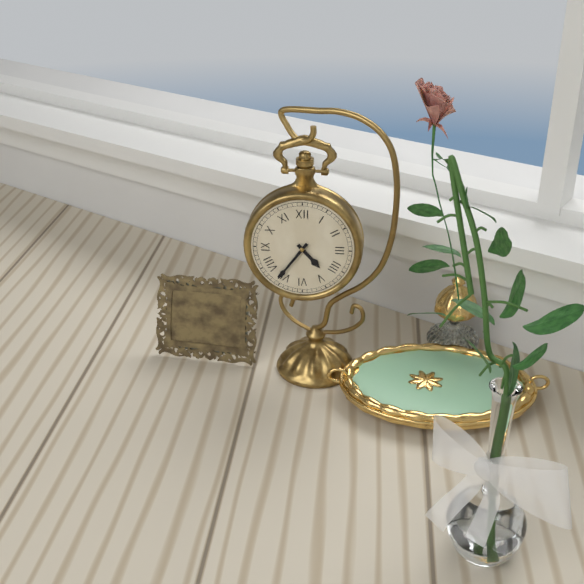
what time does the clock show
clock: 4:36
